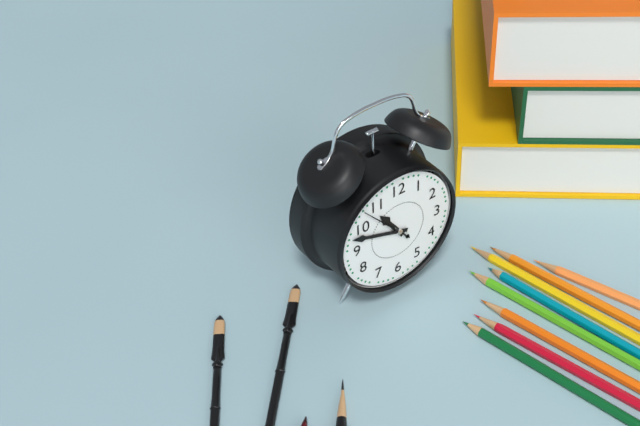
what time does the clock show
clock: 10:48
